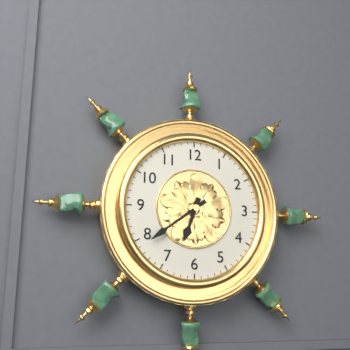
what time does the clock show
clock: 6:39
